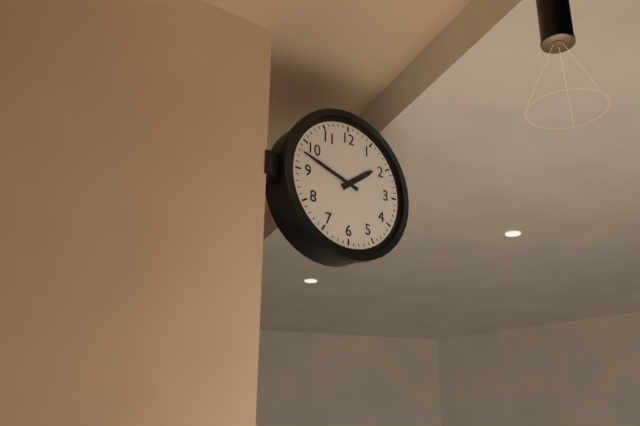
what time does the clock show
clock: 1:48
